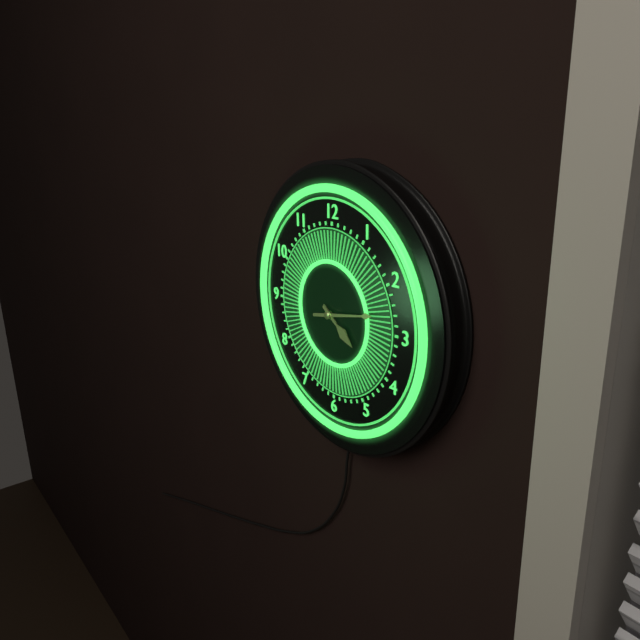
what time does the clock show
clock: 4:13
